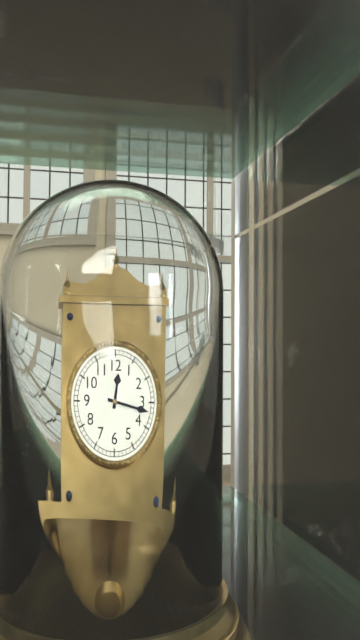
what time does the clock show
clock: 12:17
